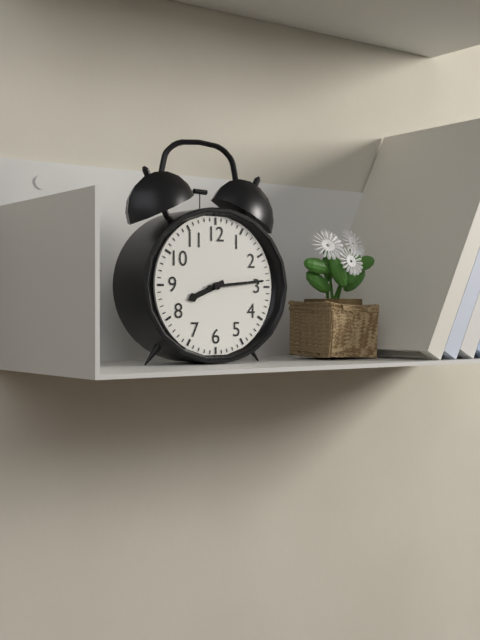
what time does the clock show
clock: 8:14
